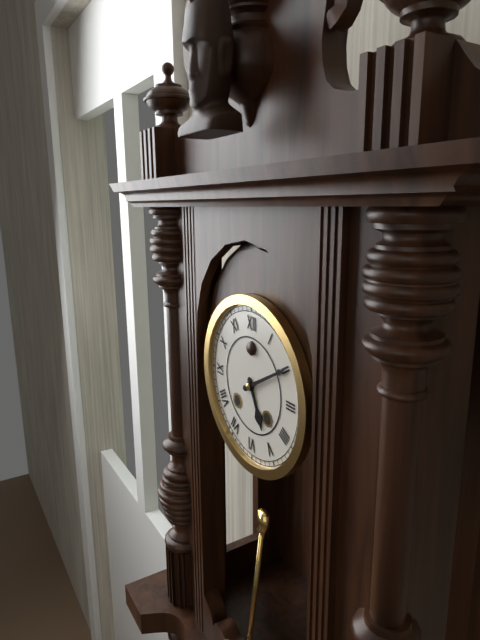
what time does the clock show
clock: 5:10
